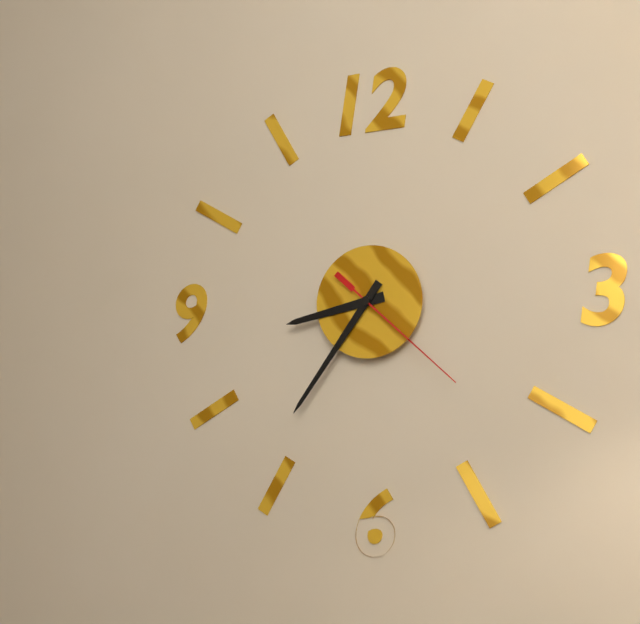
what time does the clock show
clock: 8:36:22
